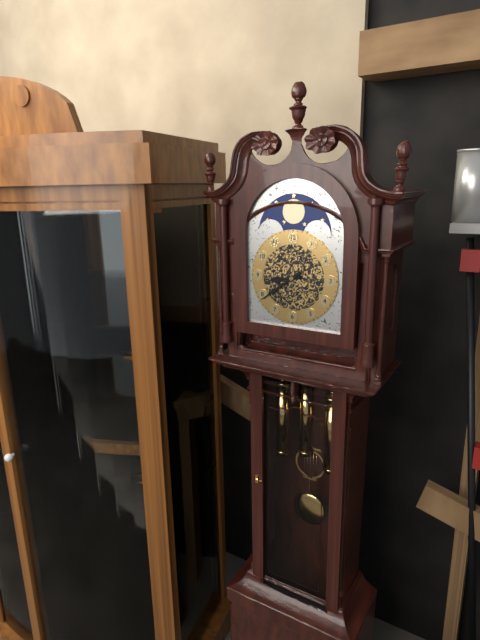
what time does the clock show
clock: 8:39
